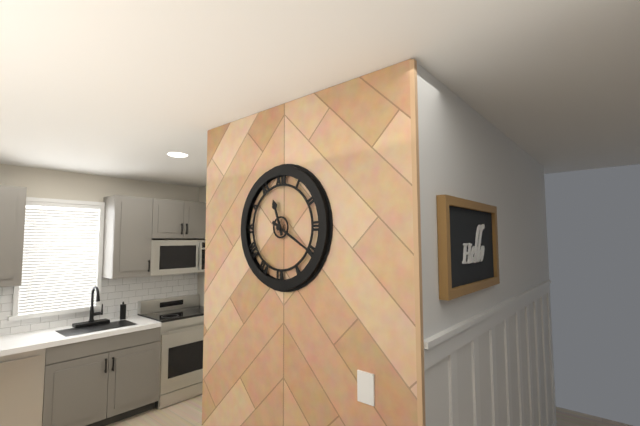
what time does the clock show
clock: 11:20
